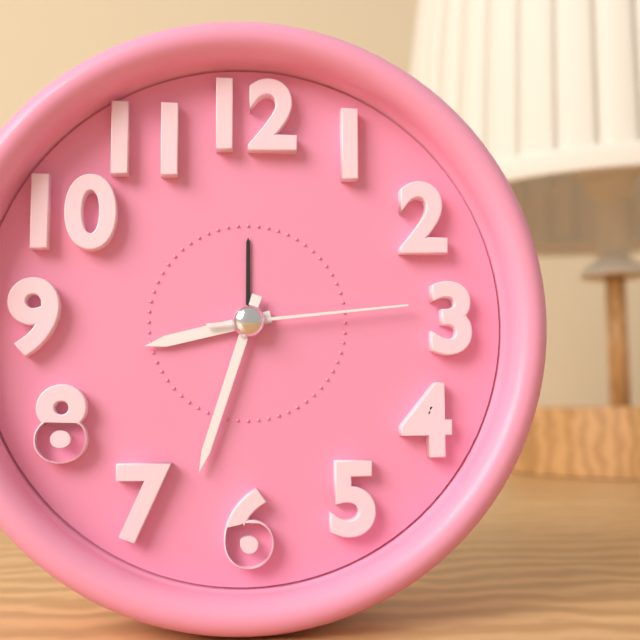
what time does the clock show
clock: 8:33:14
